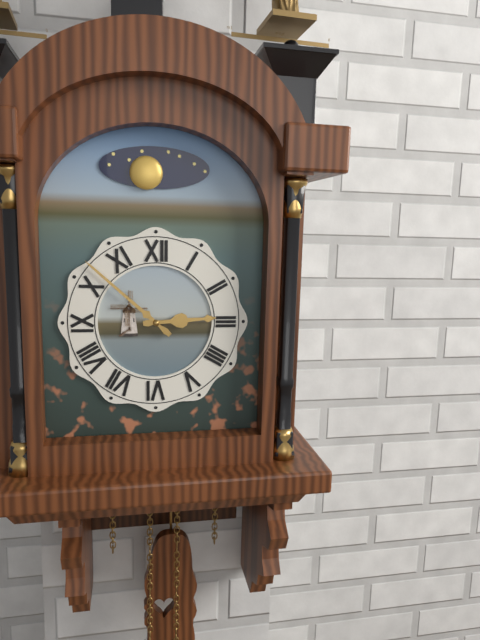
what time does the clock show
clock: 2:52
